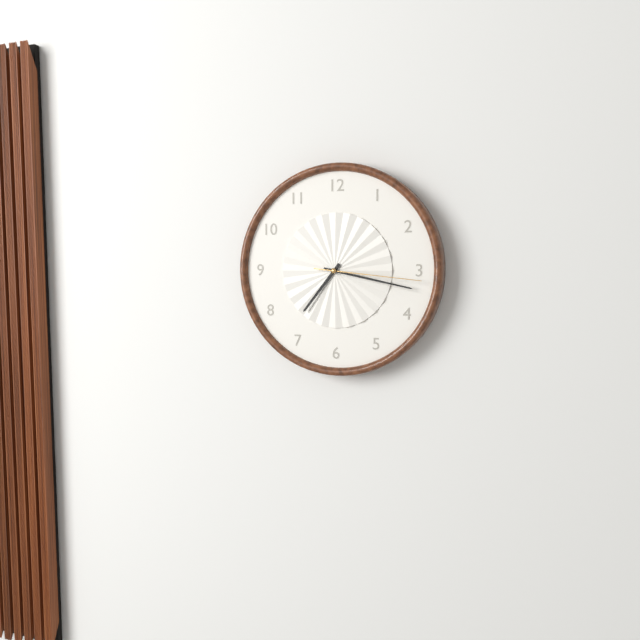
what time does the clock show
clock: 7:17:16
